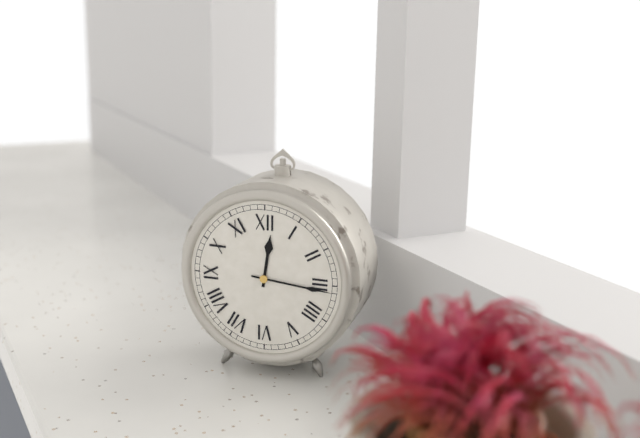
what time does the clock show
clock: 12:16
